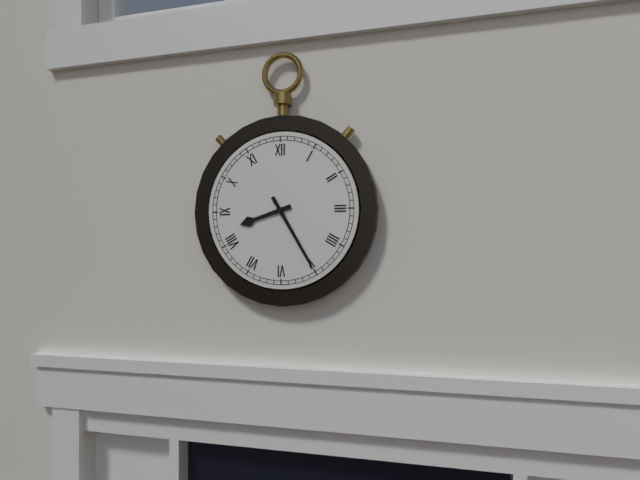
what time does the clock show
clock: 8:25
